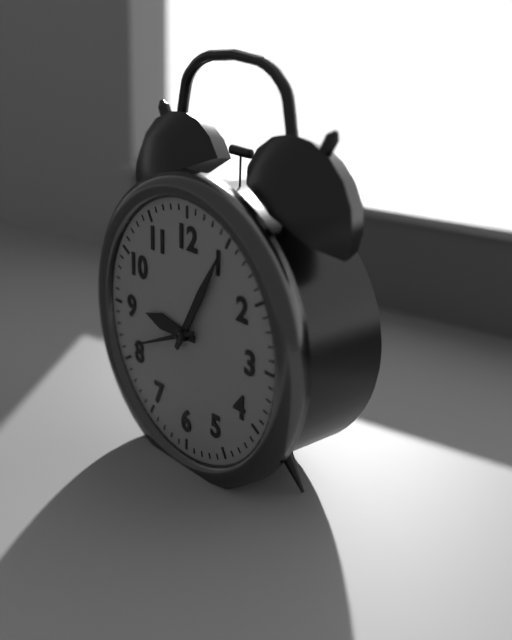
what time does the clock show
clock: 9:05:41
